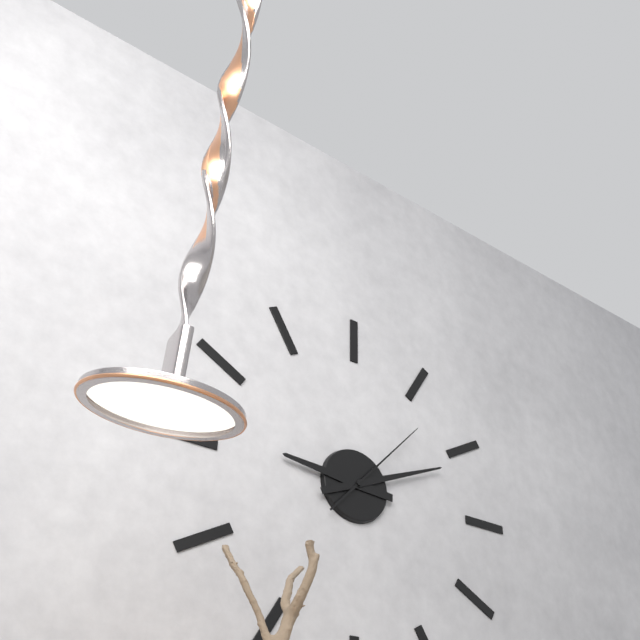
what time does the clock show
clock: 9:11:07
